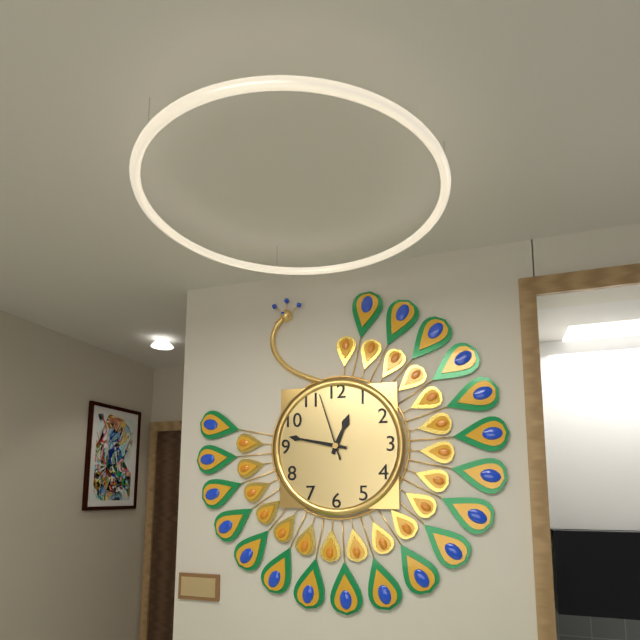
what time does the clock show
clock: 12:47:57
